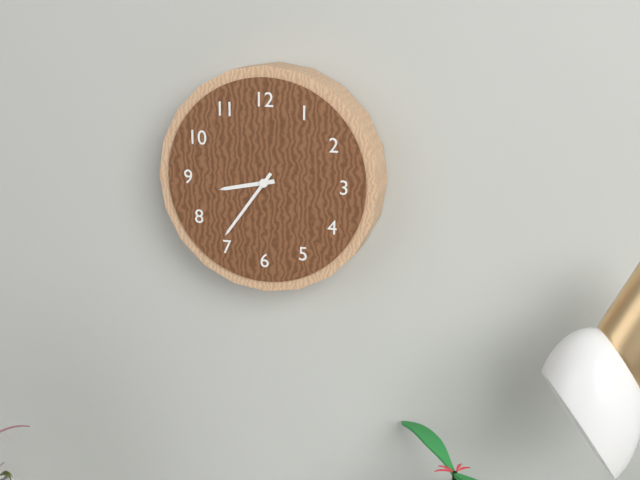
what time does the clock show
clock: 8:36
